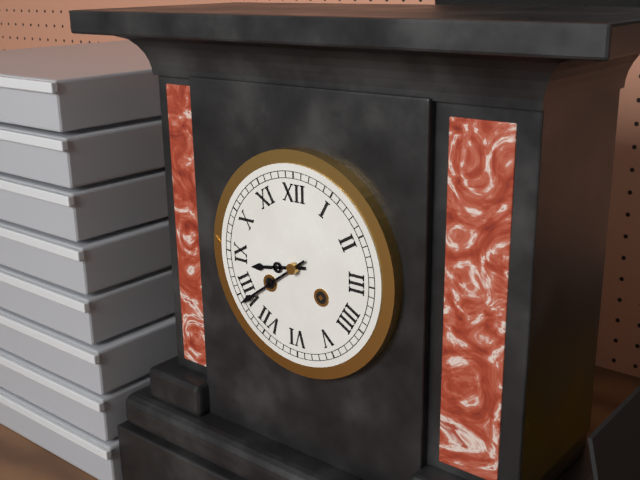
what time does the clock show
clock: 8:39
